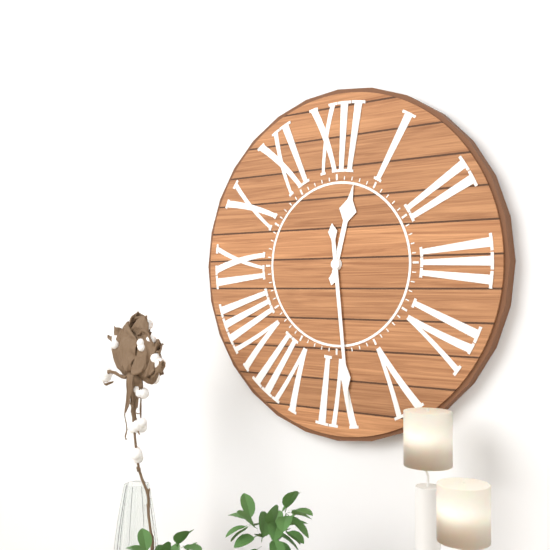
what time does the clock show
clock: 12:29
